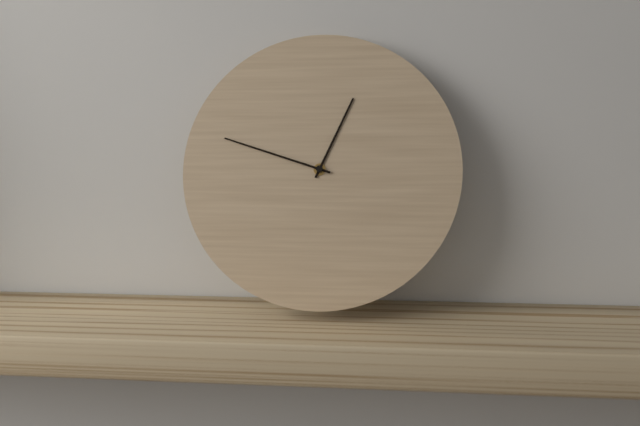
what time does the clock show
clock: 12:48
